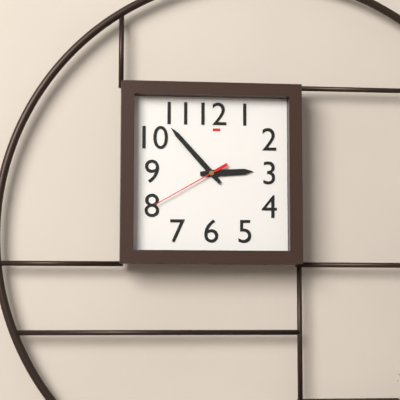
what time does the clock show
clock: 2:53:40
